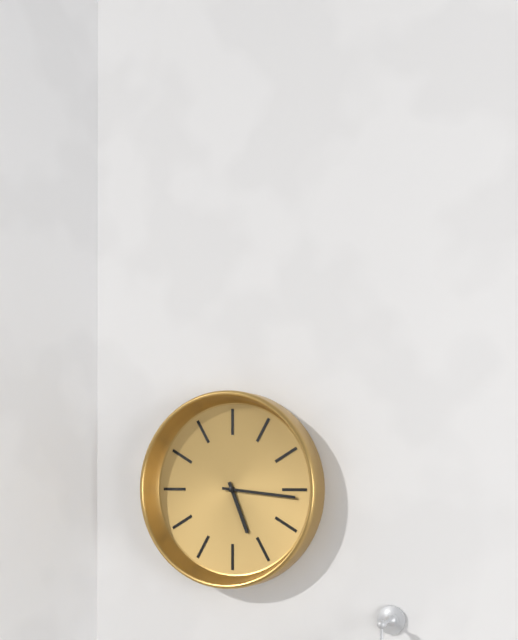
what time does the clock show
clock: 5:16
